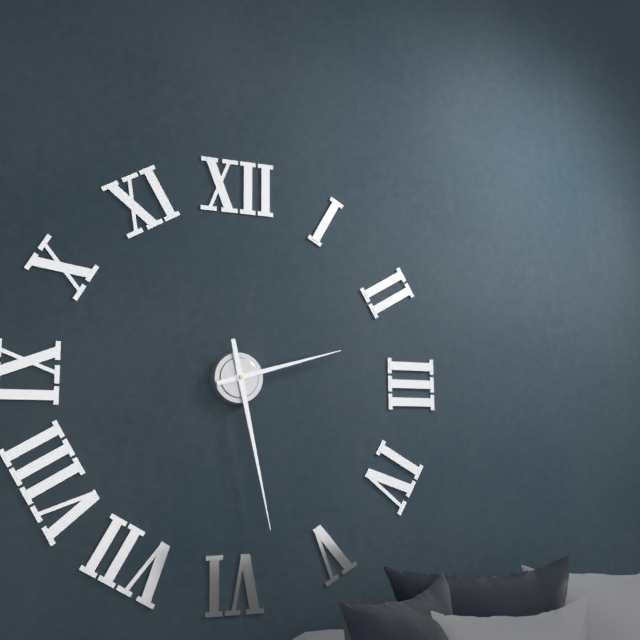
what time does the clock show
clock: 2:28
